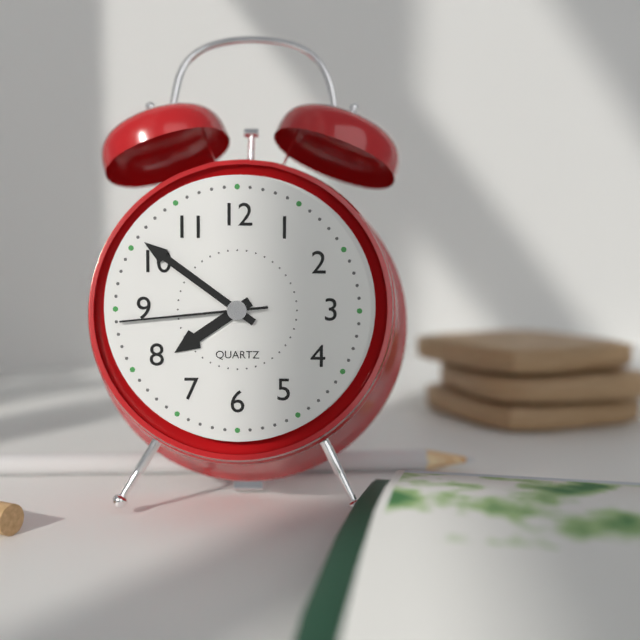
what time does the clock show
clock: 7:51:44
